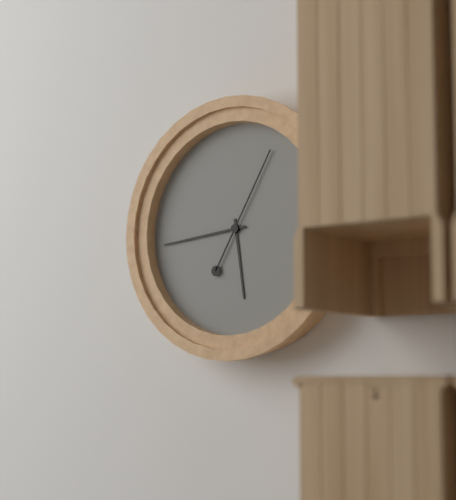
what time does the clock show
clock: 5:44:05
